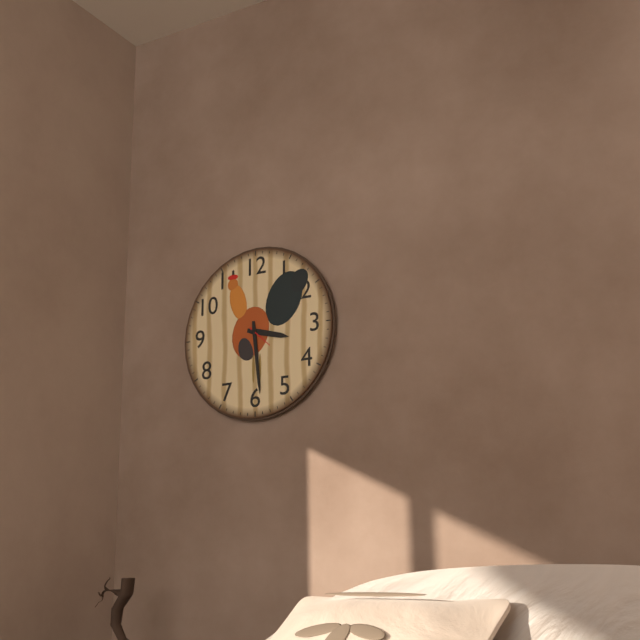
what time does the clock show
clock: 3:29
